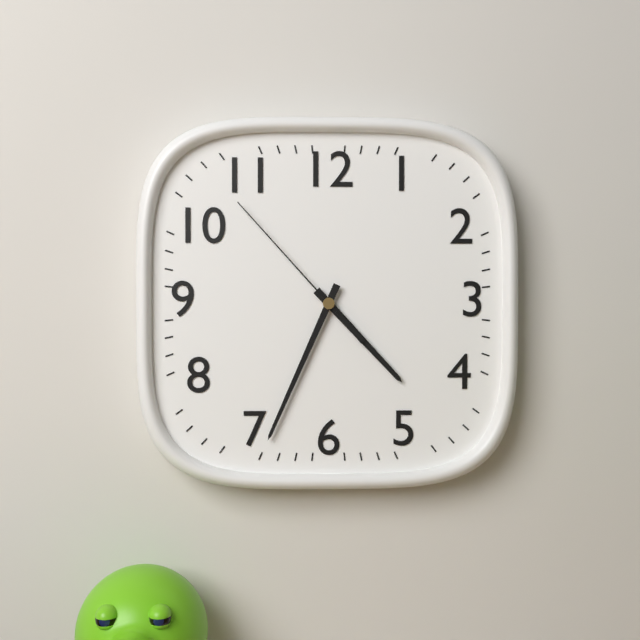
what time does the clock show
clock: 4:34:53
